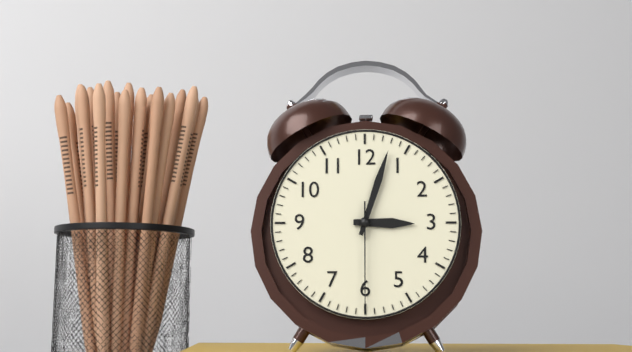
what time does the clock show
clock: 3:03:30
